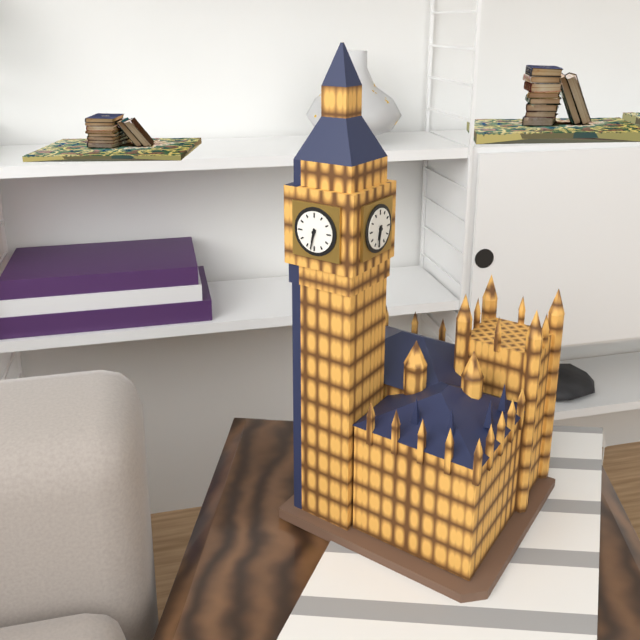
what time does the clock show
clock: 6:32
